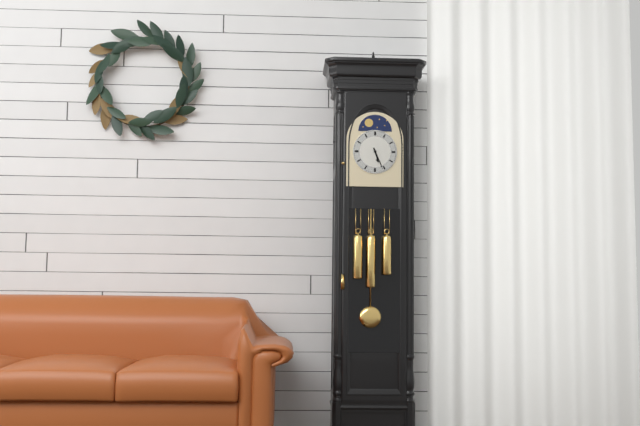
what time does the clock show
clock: 5:26
